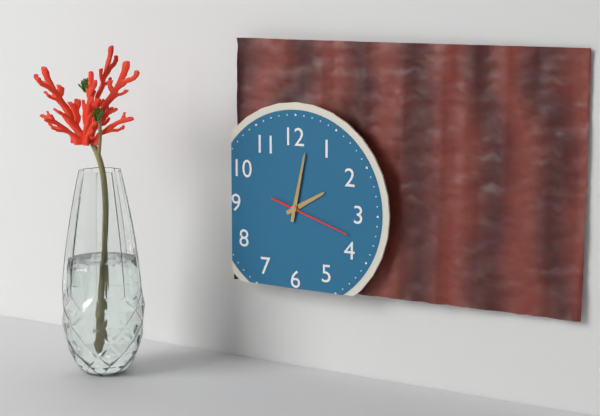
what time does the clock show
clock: 2:02:18
